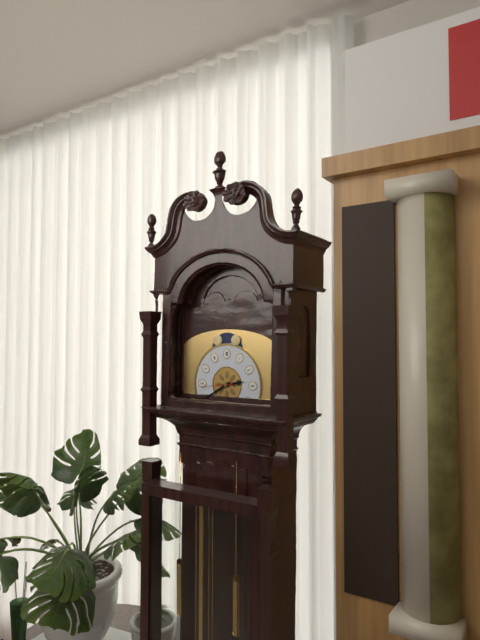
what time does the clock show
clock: 2:40
